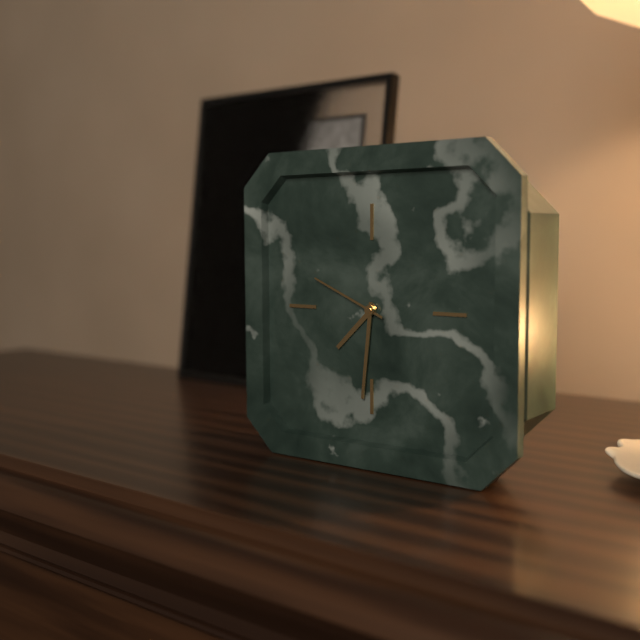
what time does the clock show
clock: 7:31:49
